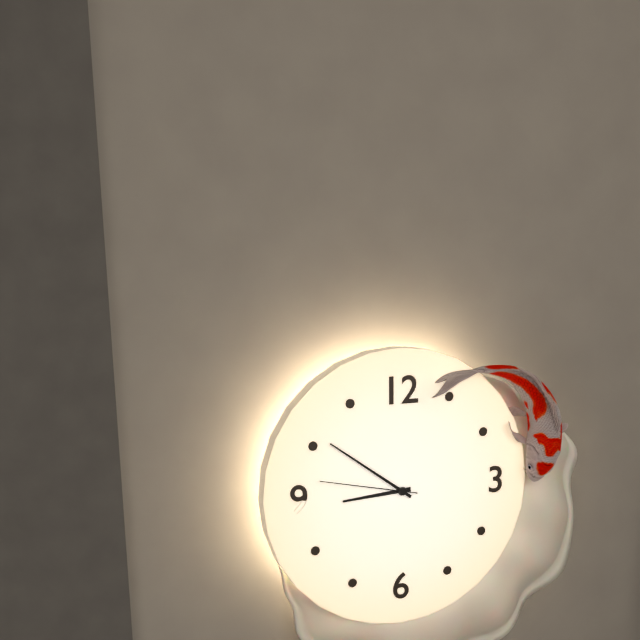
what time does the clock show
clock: 8:51:47
